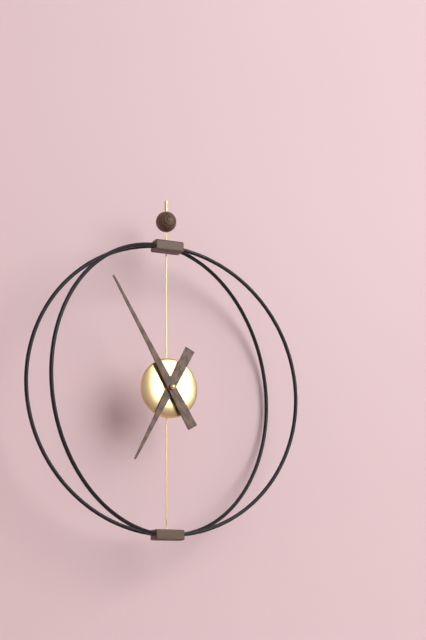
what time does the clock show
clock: 6:55
